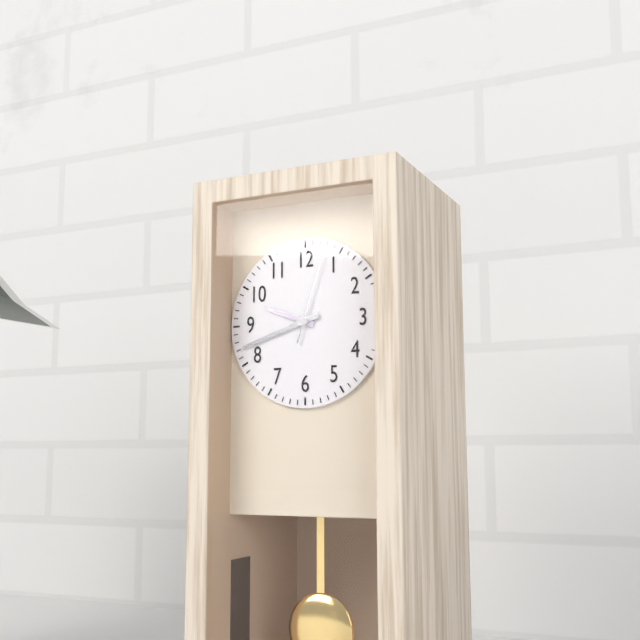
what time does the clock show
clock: 9:42:03
